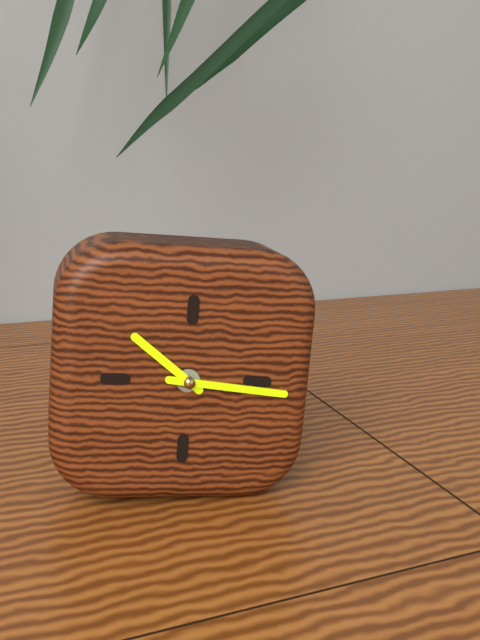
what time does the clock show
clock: 10:16
